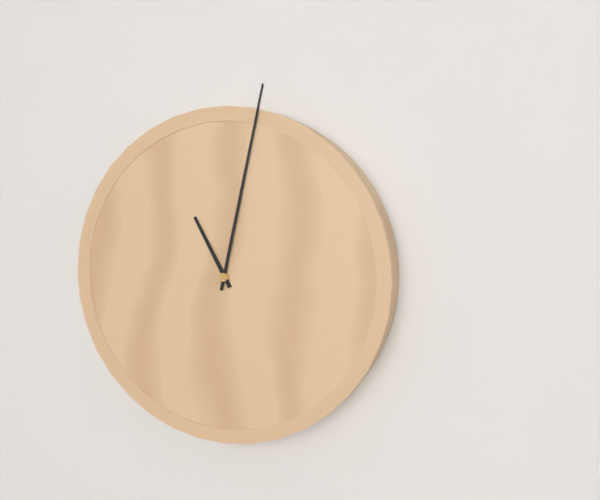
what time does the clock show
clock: 11:02
